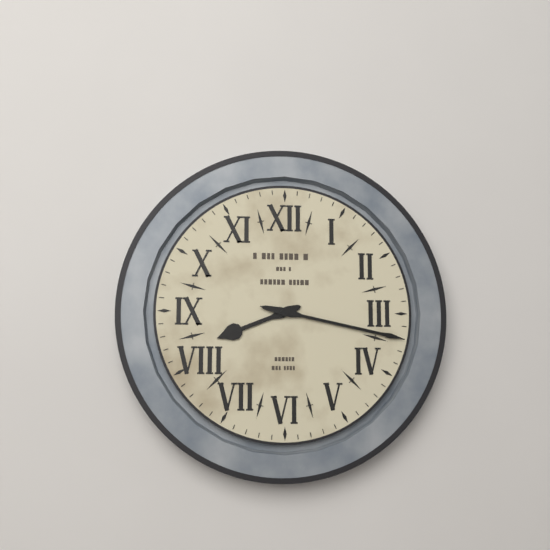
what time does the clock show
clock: 8:17
